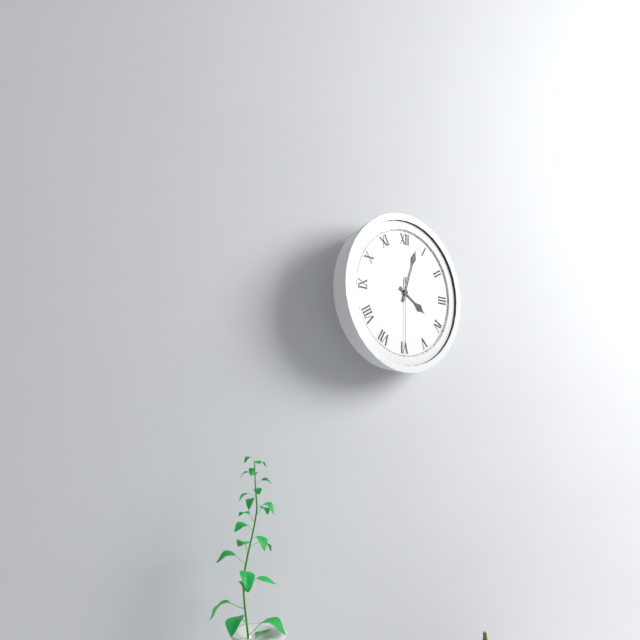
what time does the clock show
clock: 4:03:30
